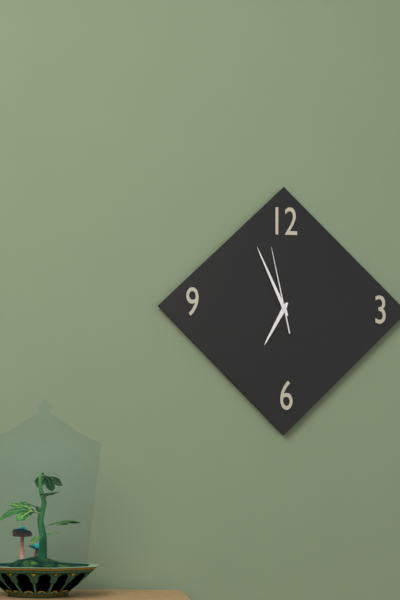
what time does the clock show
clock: 6:56:58
